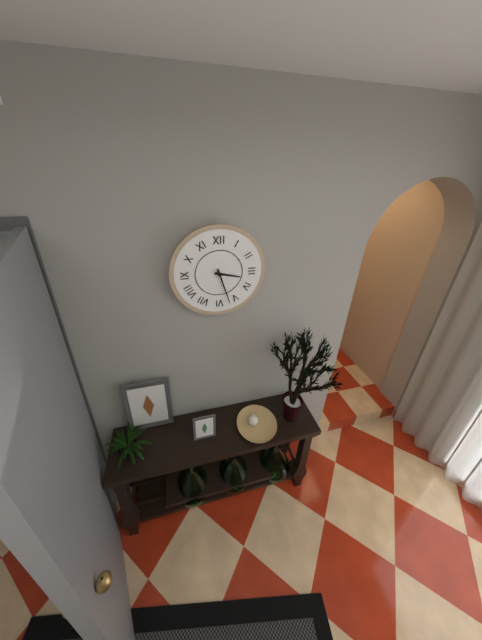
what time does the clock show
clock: 3:27
